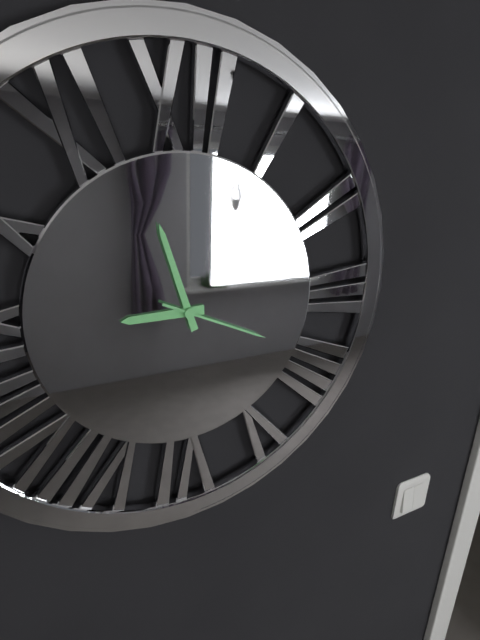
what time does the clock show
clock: 8:57:19
